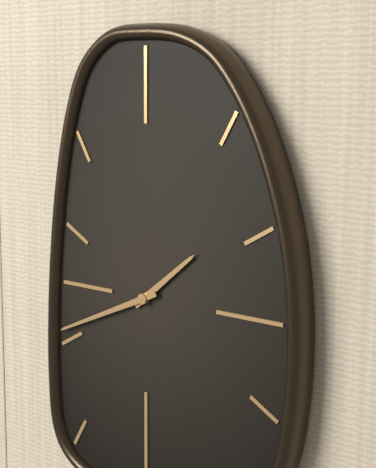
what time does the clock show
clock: 1:41
